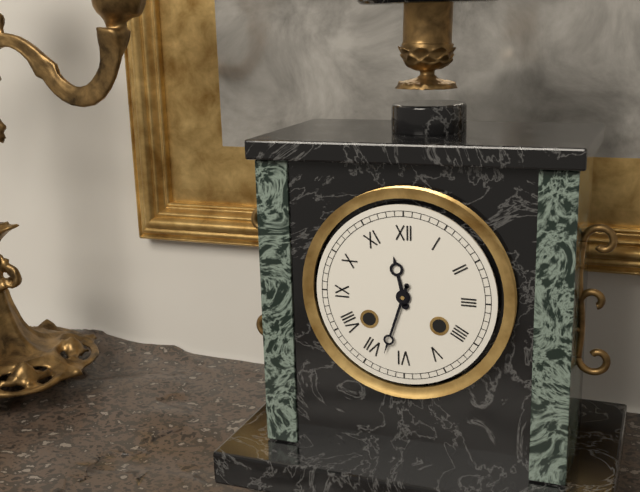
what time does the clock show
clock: 11:33
